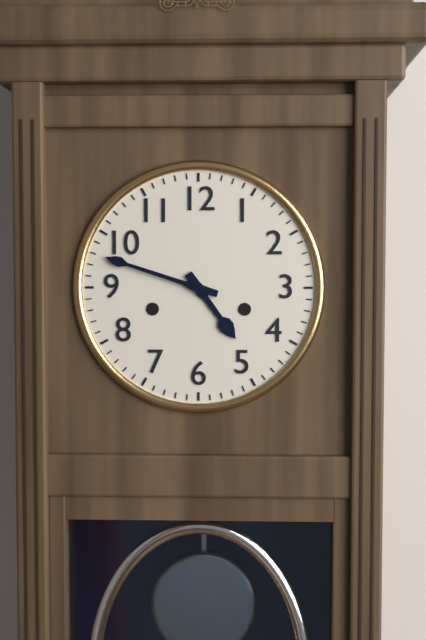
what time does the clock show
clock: 4:48
